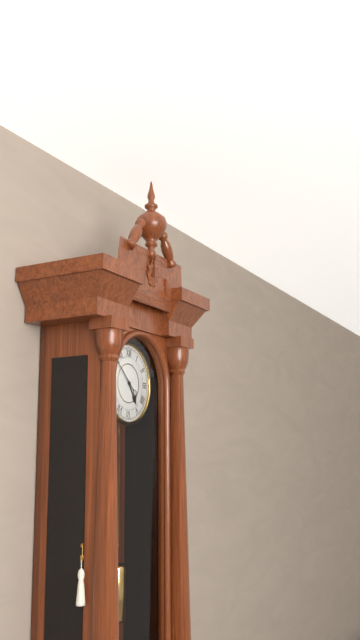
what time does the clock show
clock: 4:52
